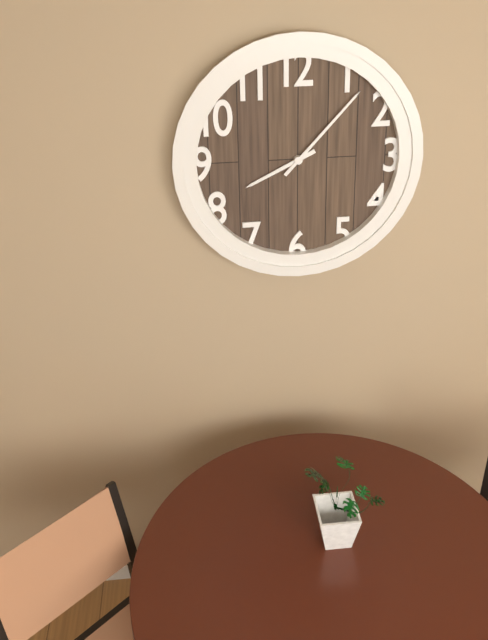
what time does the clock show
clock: 8:07
